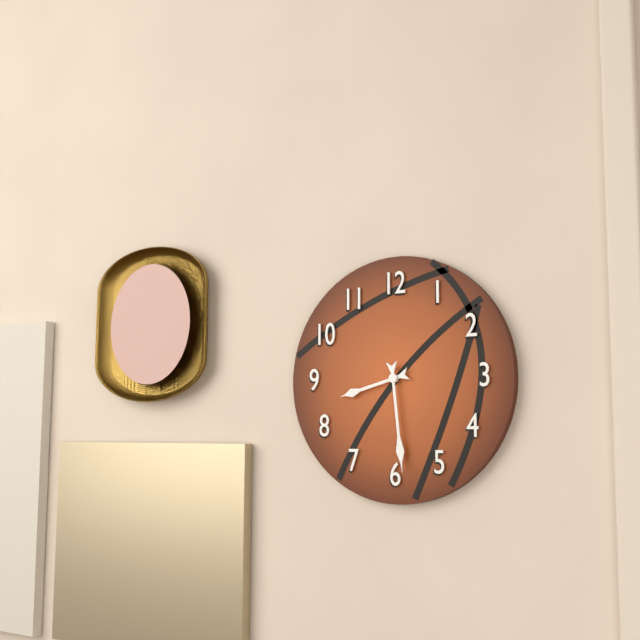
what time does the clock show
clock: 8:29
